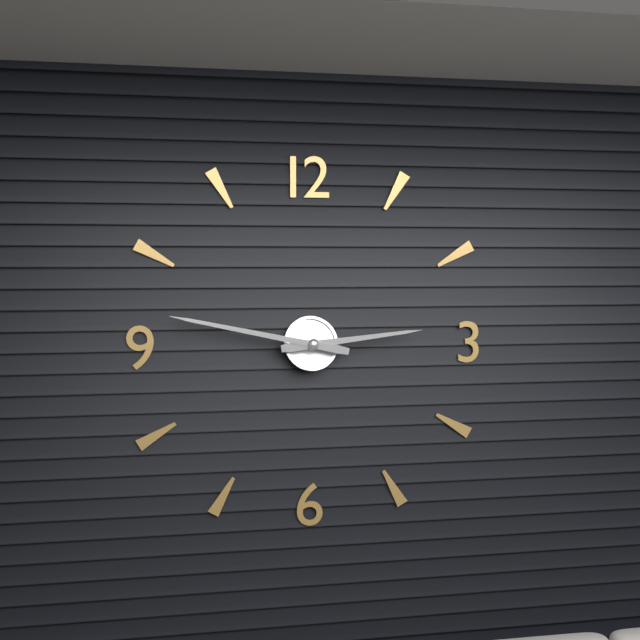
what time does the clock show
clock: 2:47
